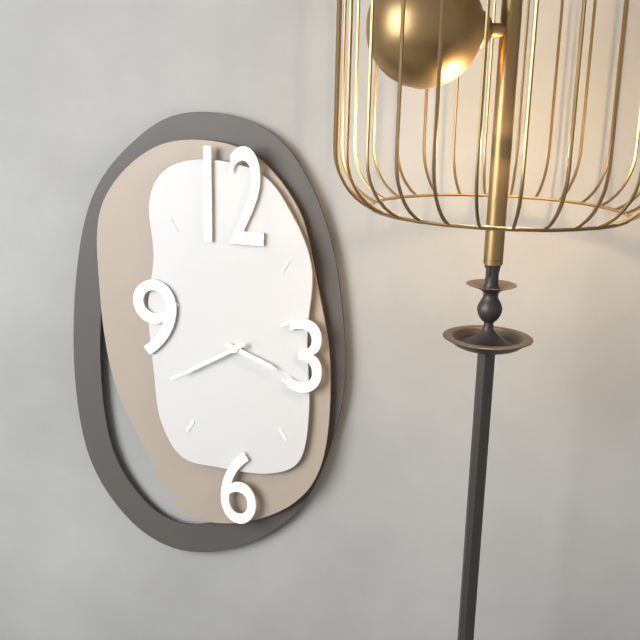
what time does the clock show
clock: 3:40
